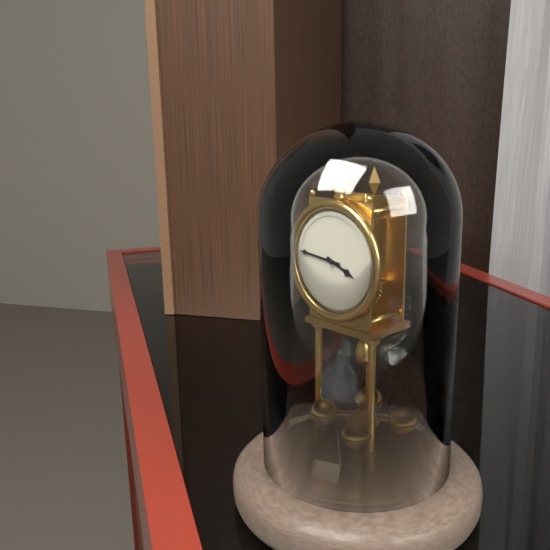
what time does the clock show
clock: 3:46
